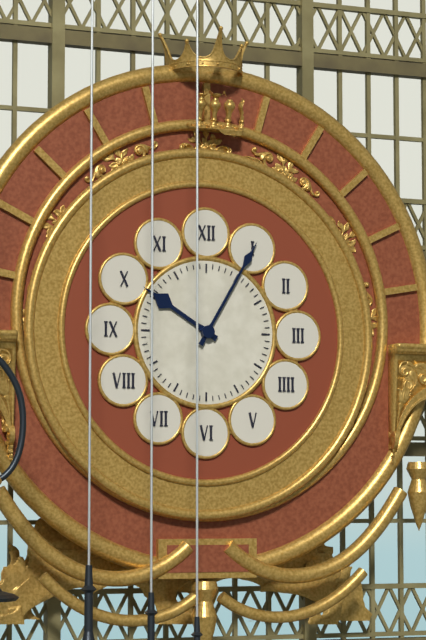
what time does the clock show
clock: 10:05
